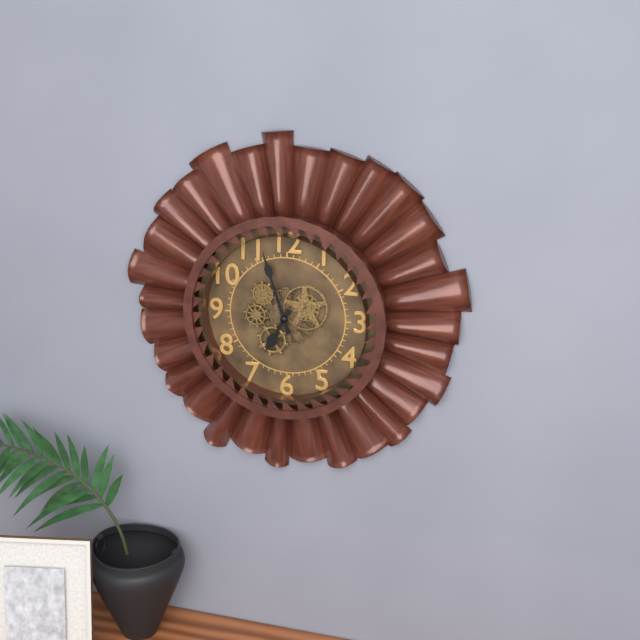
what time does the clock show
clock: 6:57
